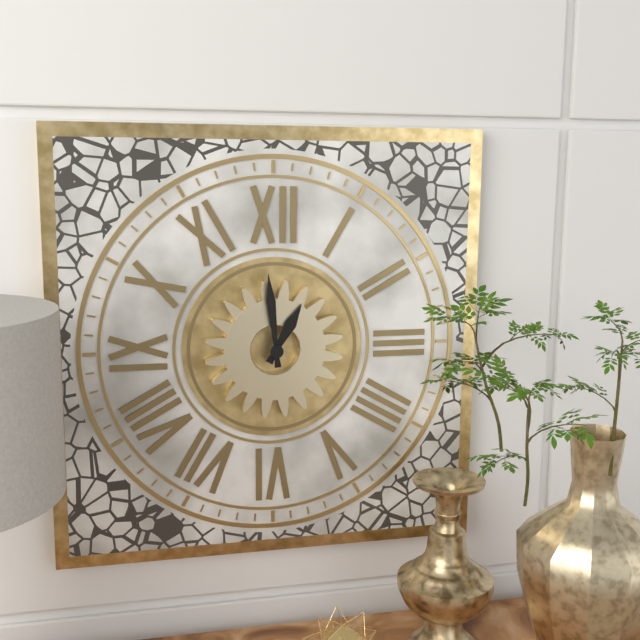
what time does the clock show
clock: 12:59
